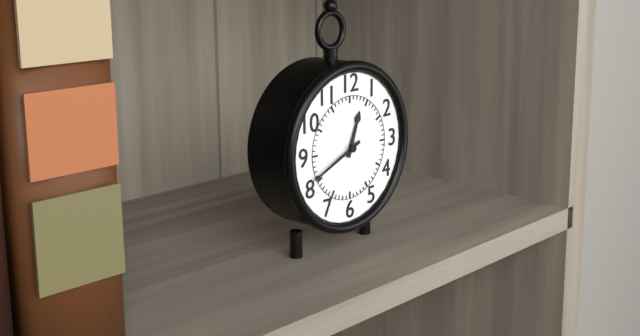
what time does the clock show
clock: 12:41
